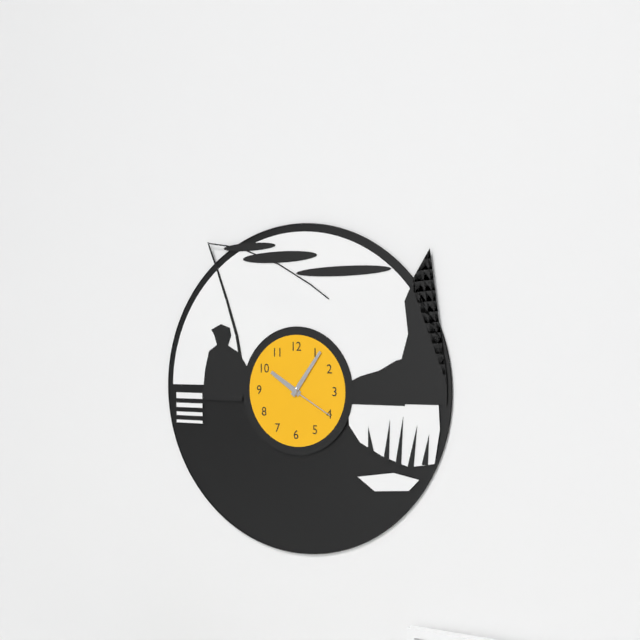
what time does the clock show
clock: 10:06:20
